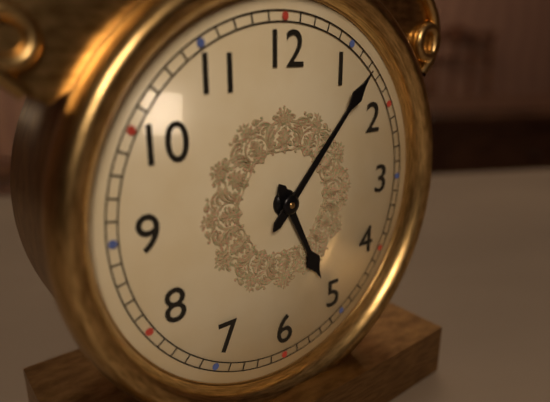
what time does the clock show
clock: 5:07
